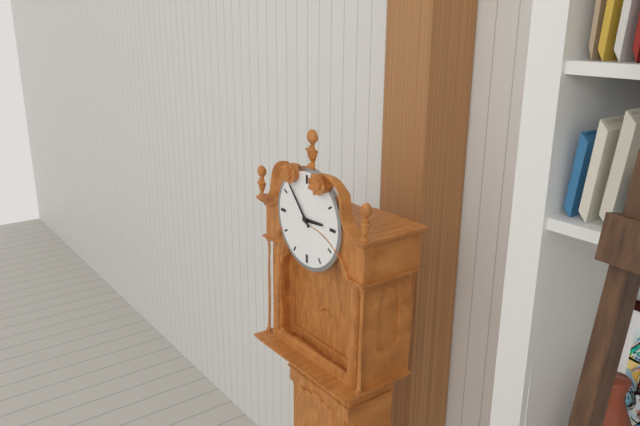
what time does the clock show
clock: 2:53
